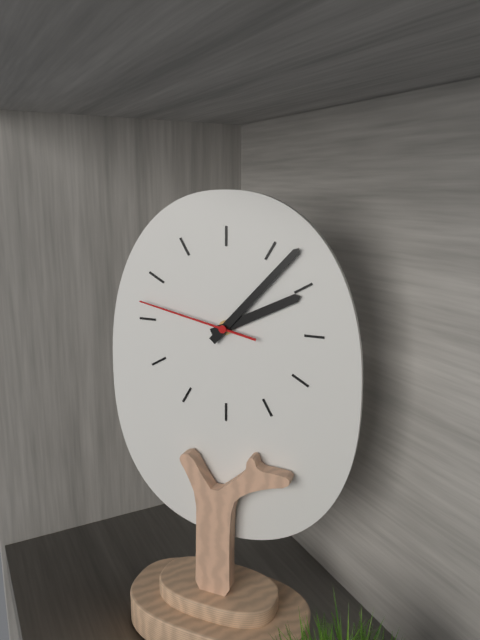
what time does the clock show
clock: 2:07:47
